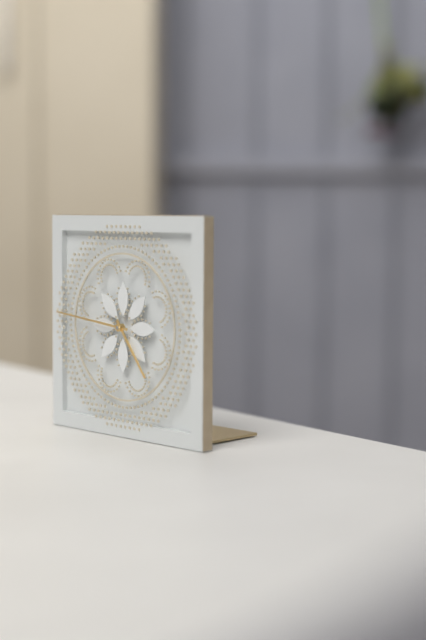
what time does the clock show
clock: 4:46
